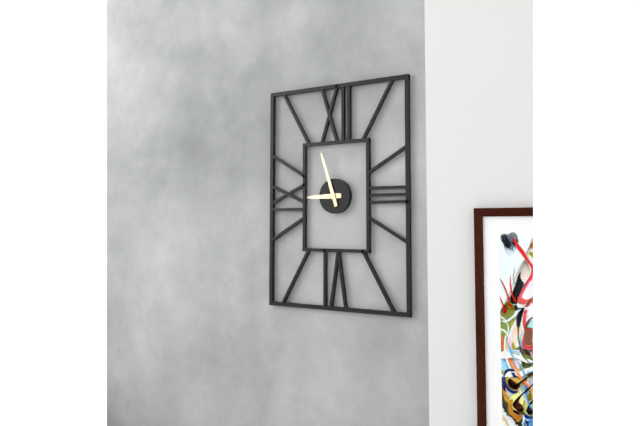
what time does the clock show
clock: 8:57
